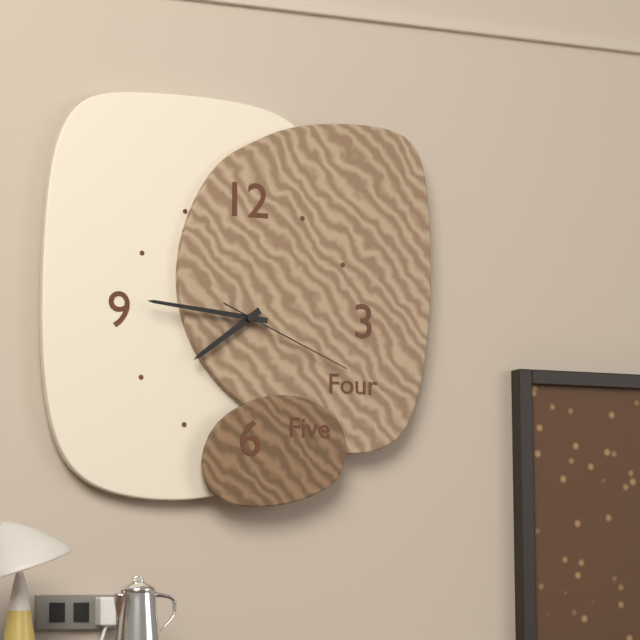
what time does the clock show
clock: 7:46:19
